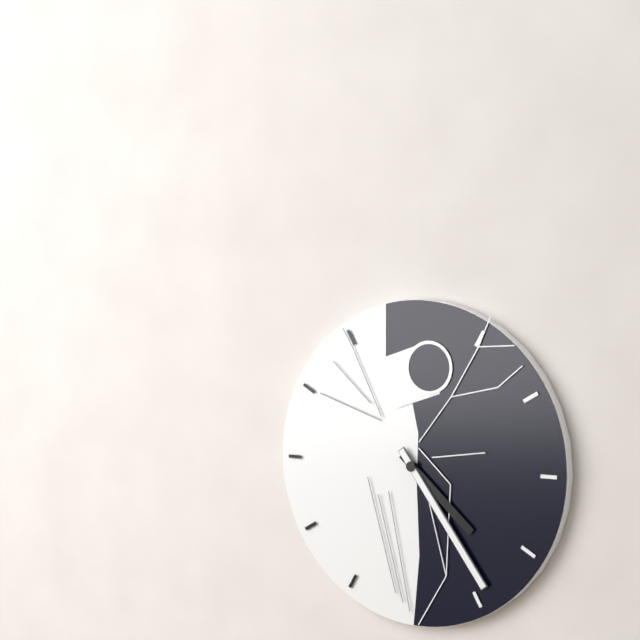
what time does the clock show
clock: 4:24
